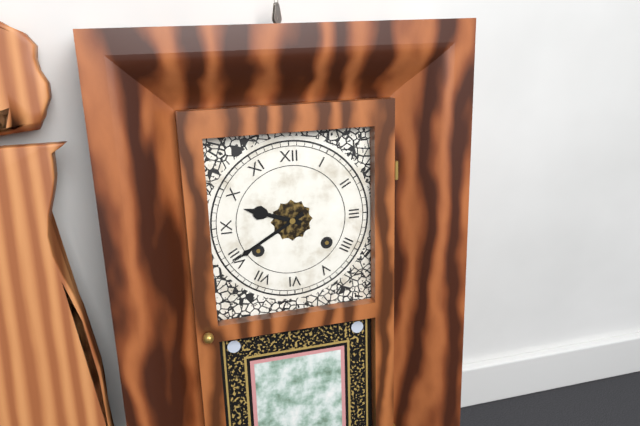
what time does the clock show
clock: 9:40
